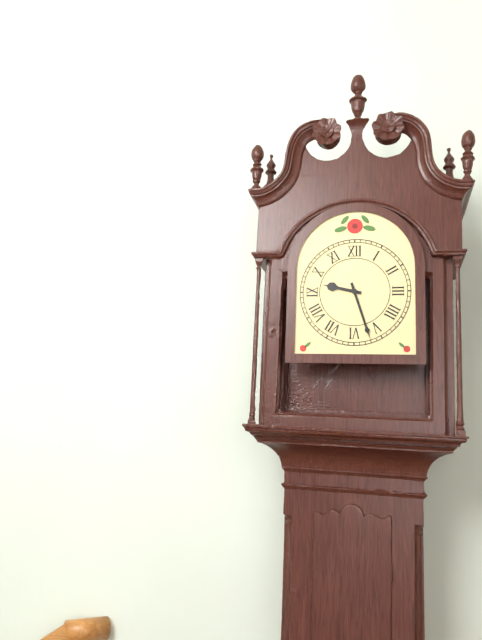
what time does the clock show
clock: 9:27
